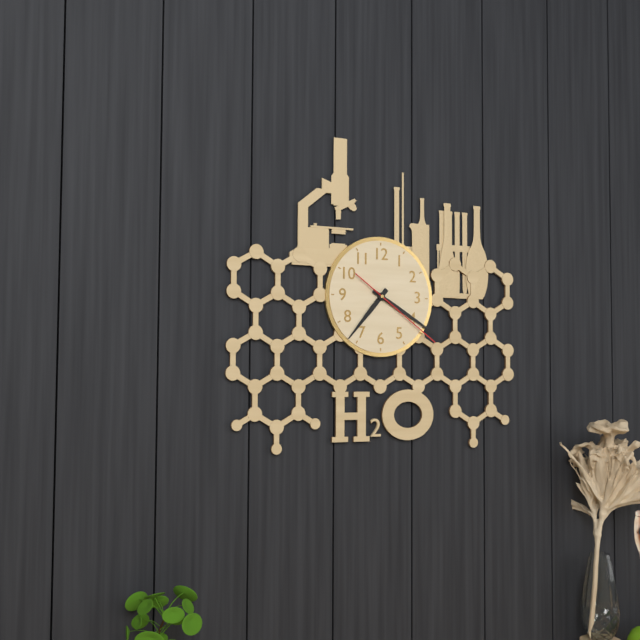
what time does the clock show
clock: 7:20:21
